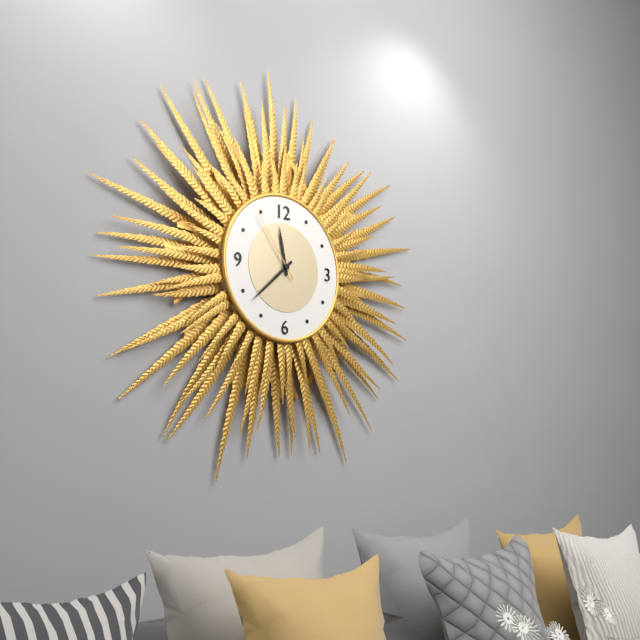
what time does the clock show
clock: 11:38:54
